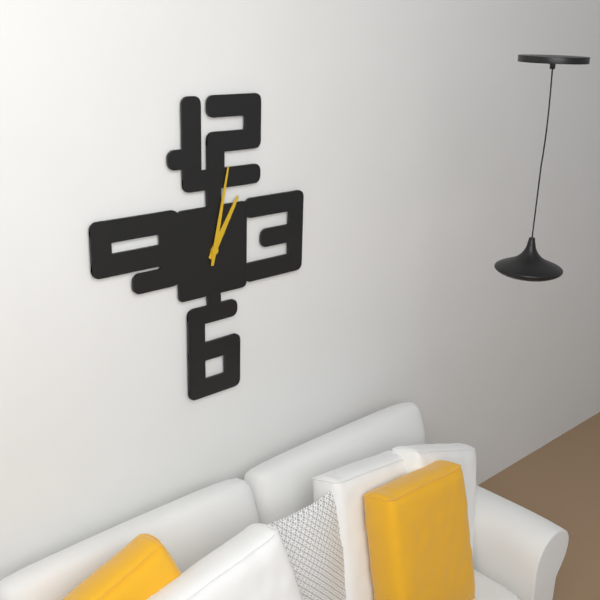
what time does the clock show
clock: 1:02
